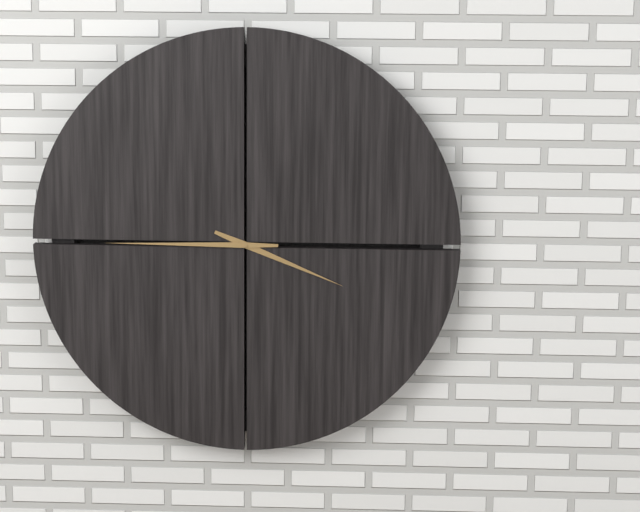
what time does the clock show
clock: 3:45
